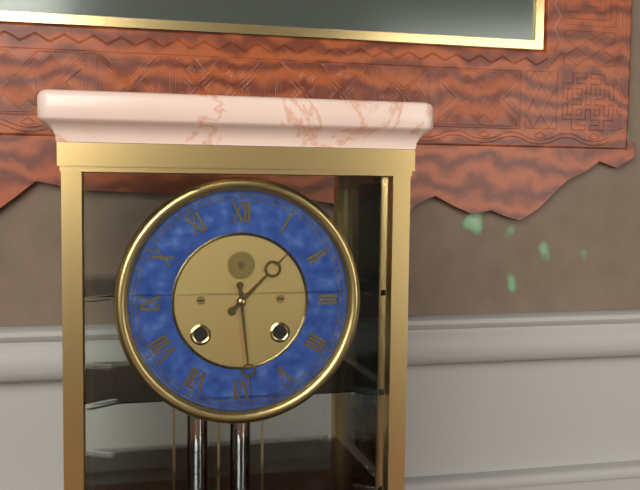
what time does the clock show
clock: 1:29
